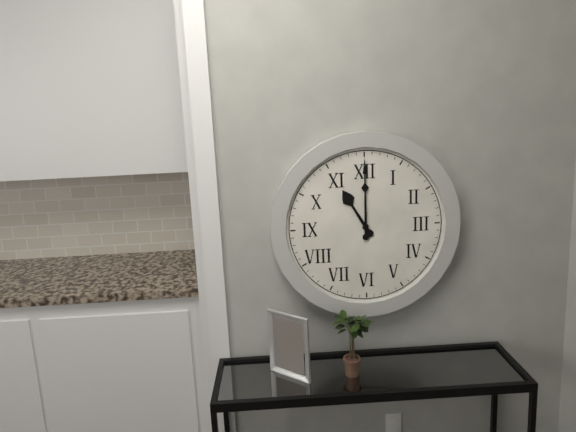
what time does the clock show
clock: 11:00
